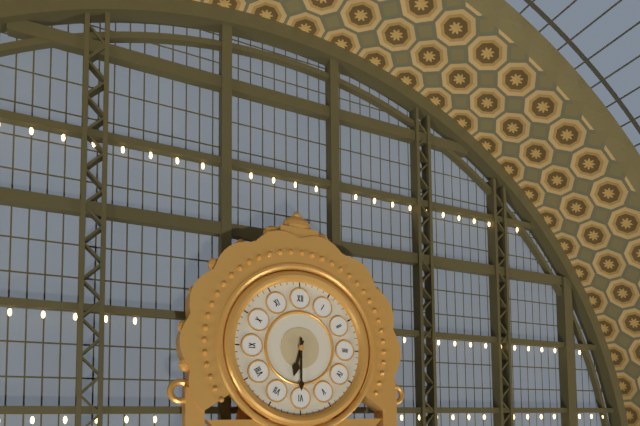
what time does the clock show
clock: 6:30
